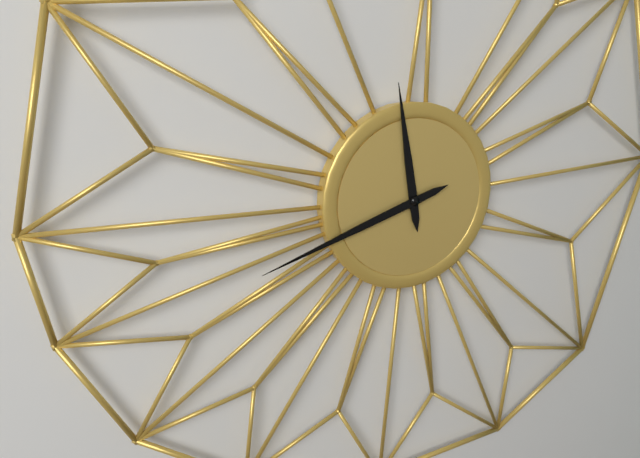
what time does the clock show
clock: 11:42
